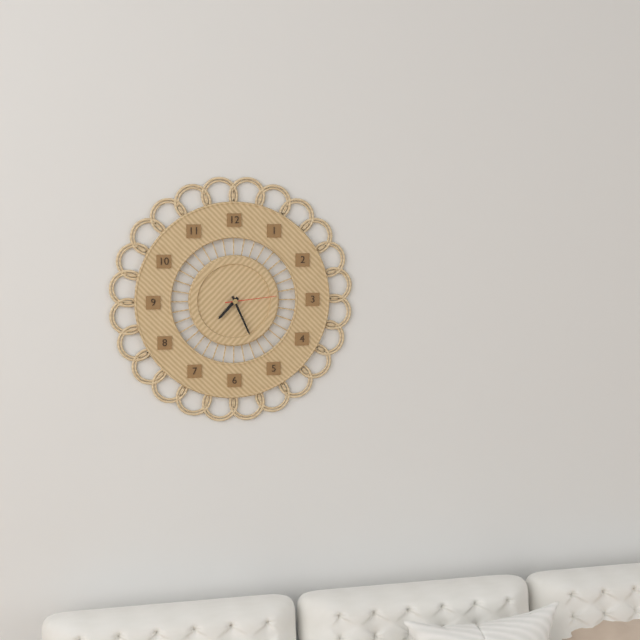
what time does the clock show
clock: 7:26:14
